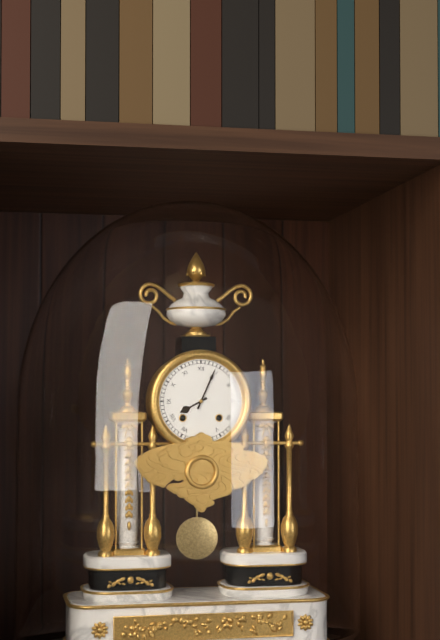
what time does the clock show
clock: 8:04
